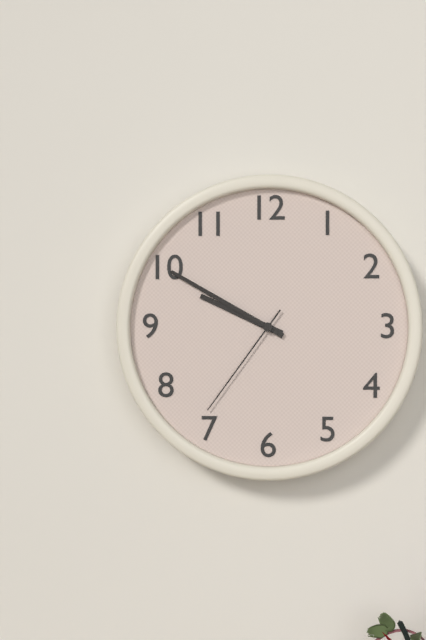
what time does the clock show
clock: 9:50:36
